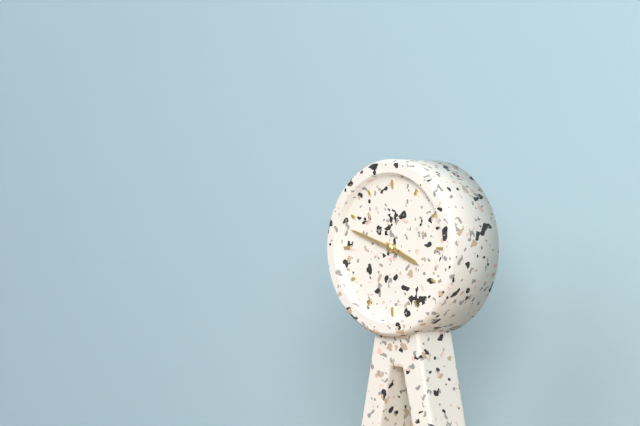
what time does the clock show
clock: 3:48
